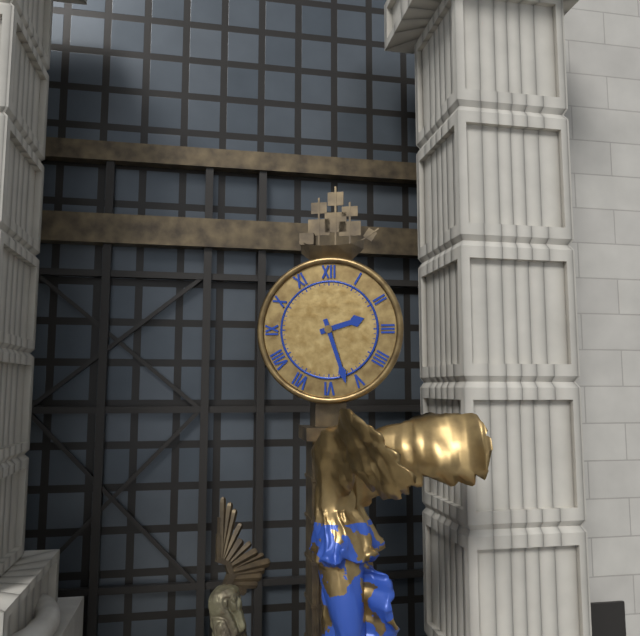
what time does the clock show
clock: 2:27
